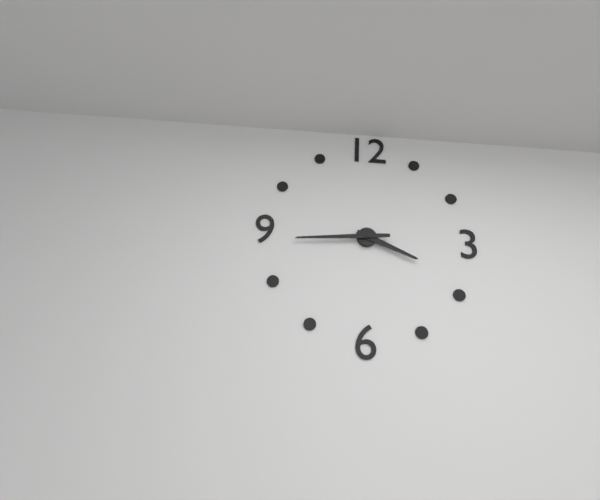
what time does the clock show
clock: 3:44
